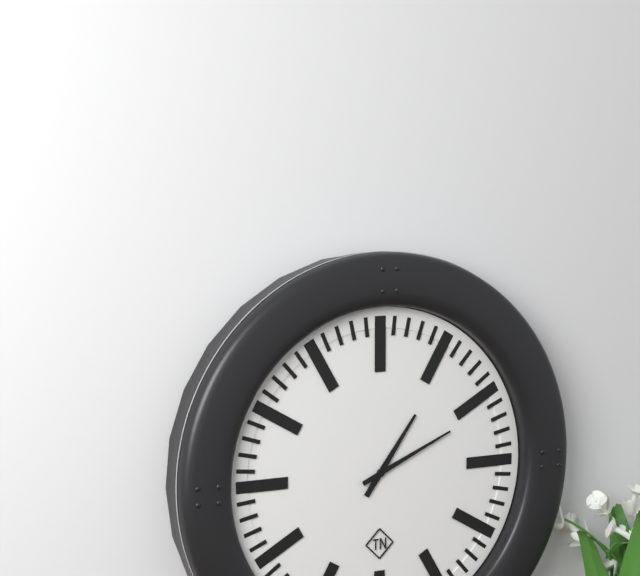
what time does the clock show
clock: 1:11
